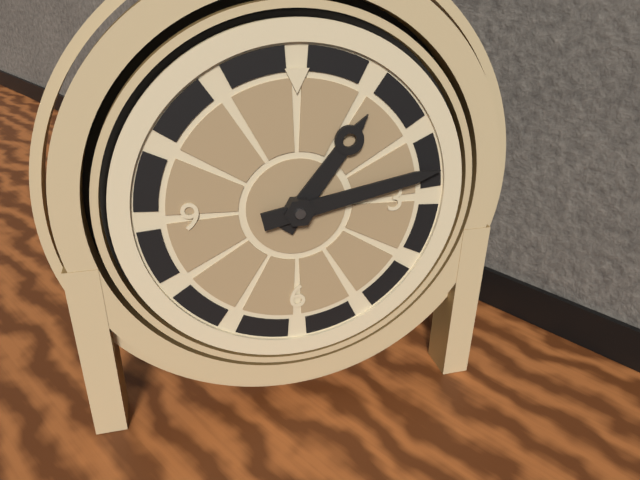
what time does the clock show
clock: 1:13
